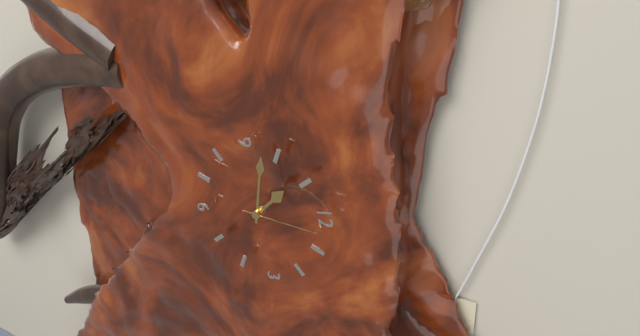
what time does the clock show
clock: 10:48:02
